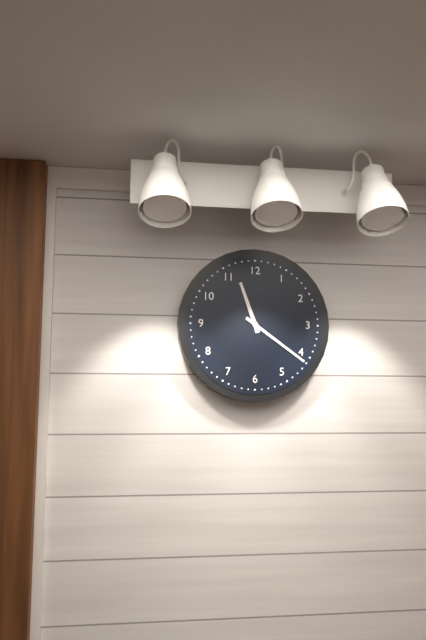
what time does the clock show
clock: 11:21
